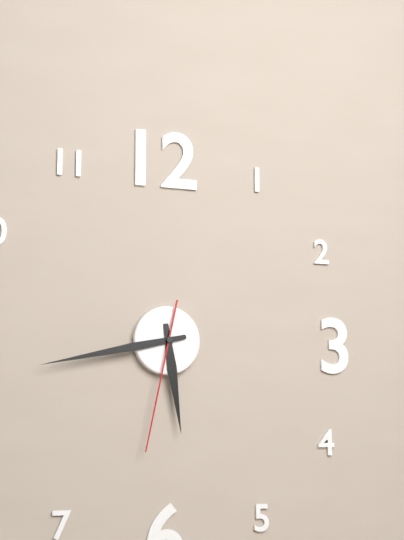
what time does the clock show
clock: 5:43:32
